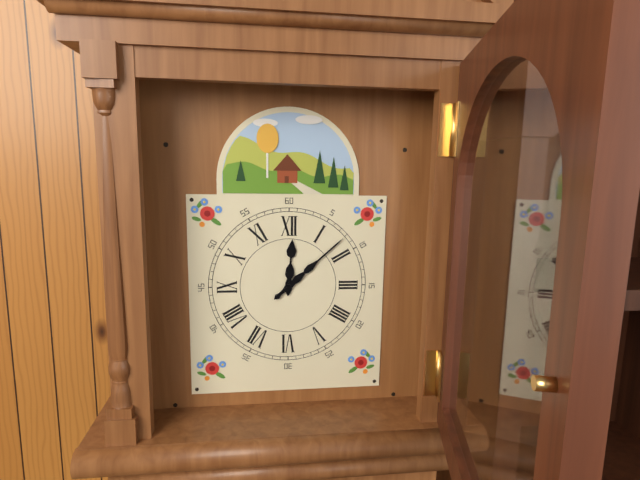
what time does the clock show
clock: 12:08
